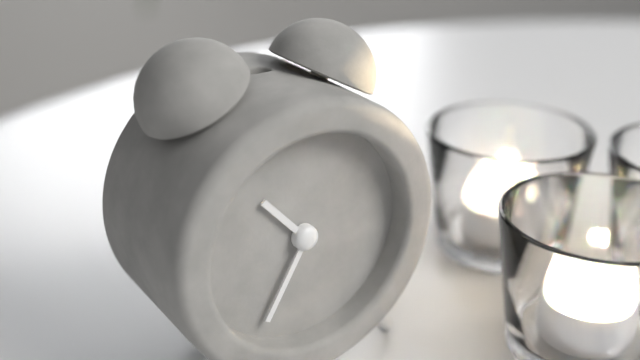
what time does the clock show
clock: 10:35
